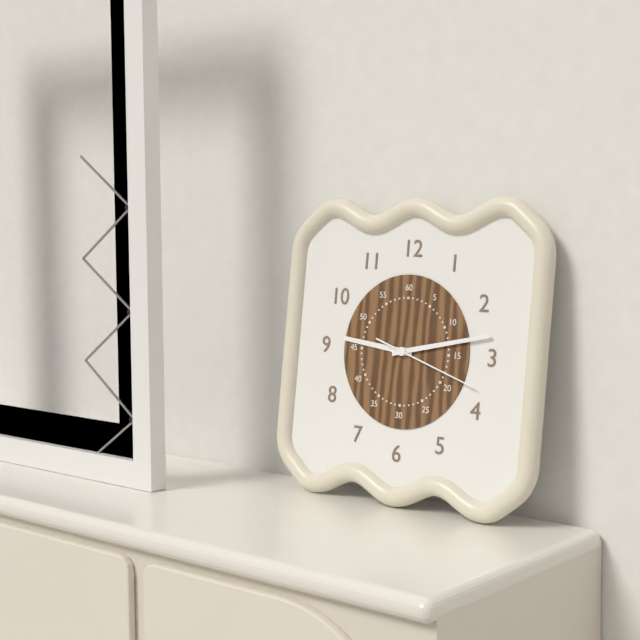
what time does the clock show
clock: 9:13:18
